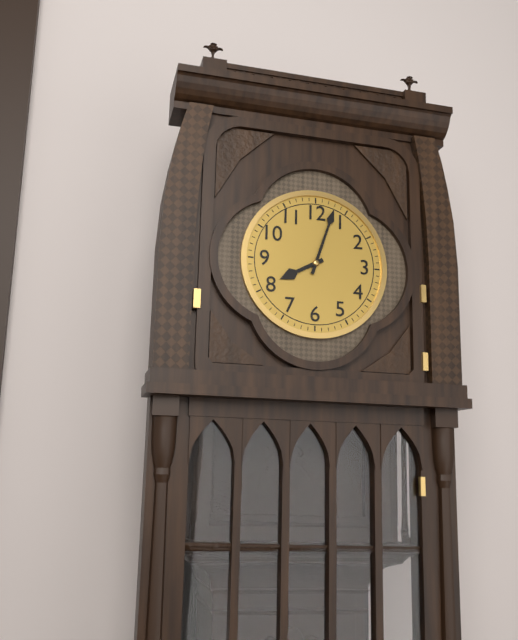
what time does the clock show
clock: 8:03
